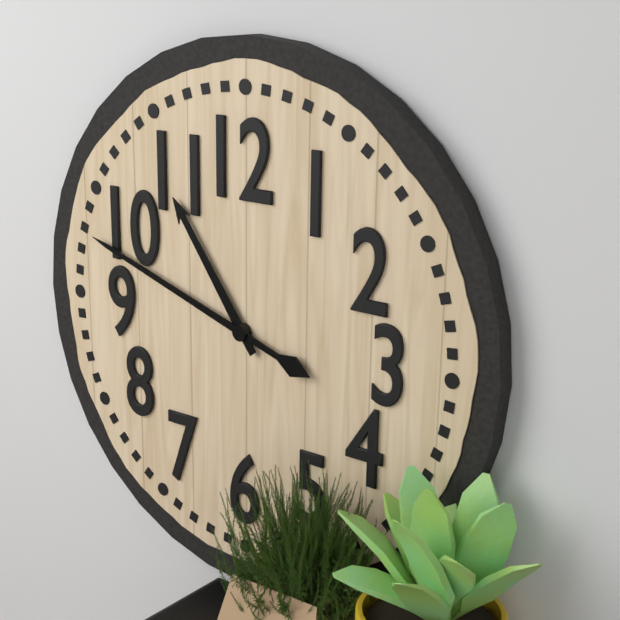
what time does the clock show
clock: 10:48
